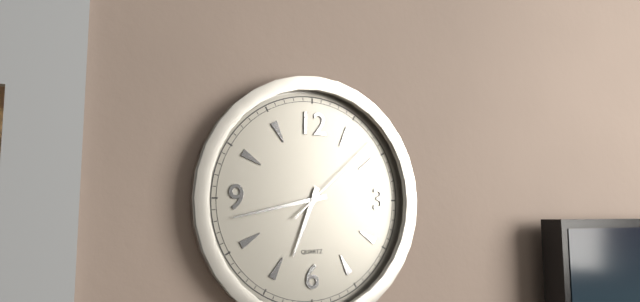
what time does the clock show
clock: 6:43:08
